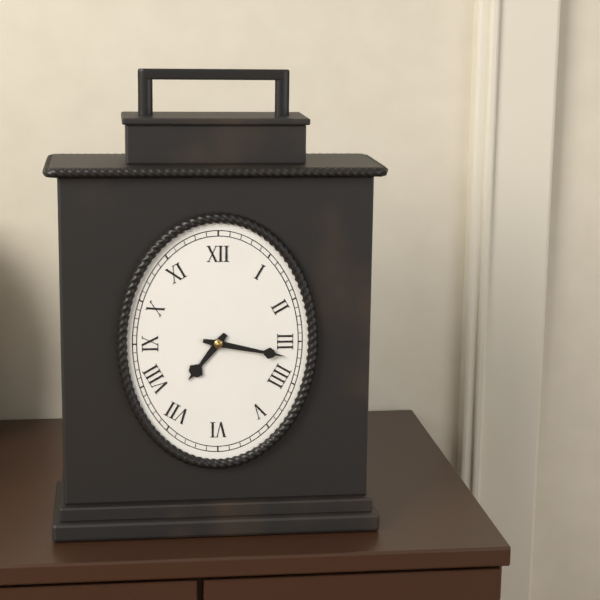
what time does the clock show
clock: 7:17
